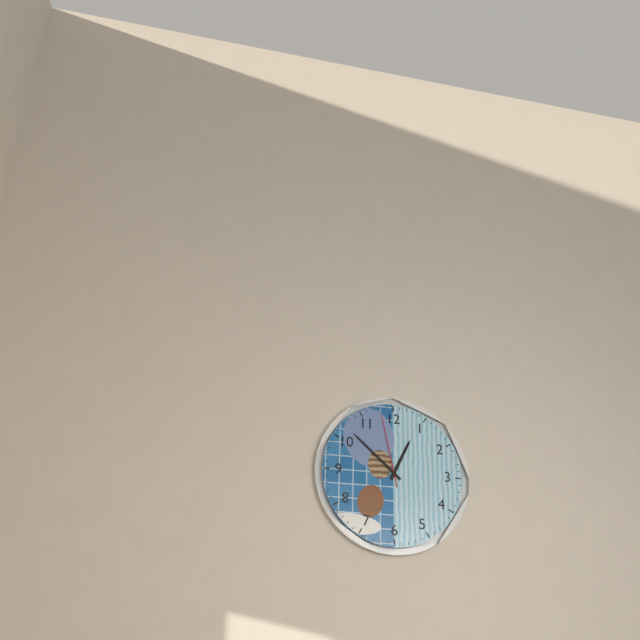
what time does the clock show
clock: 12:52:58
